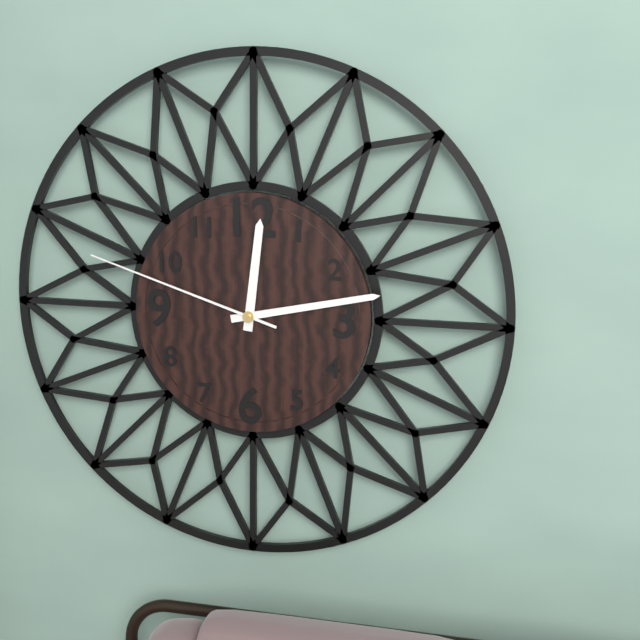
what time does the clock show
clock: 12:13:48
